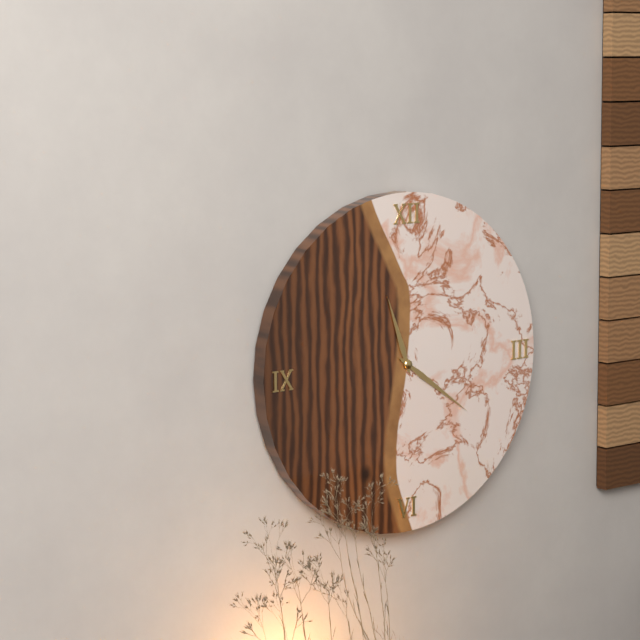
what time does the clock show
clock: 11:21
